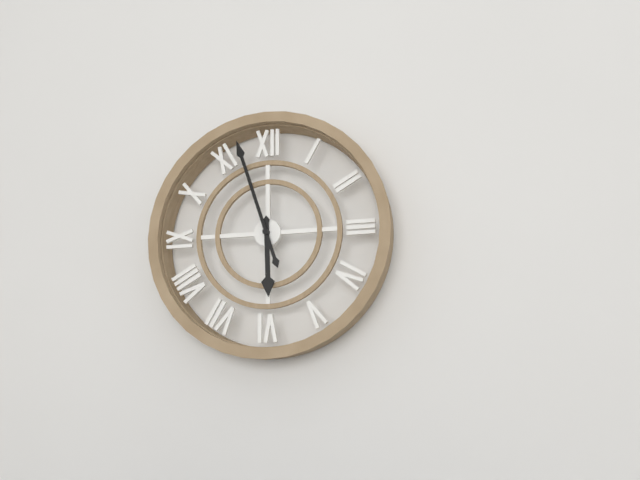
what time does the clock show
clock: 5:57
